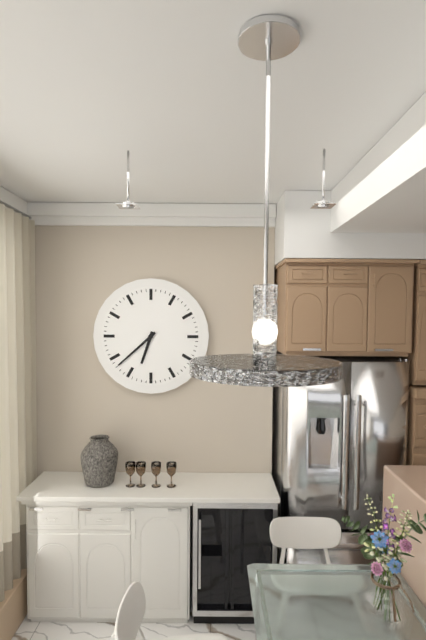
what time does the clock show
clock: 6:38
